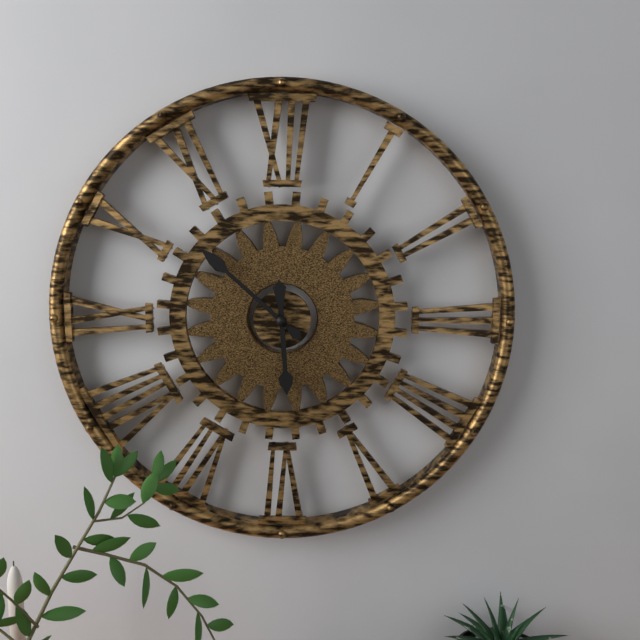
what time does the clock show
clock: 5:52
